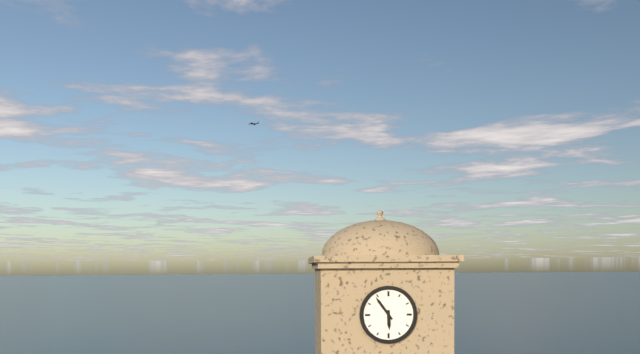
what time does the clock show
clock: 5:54
